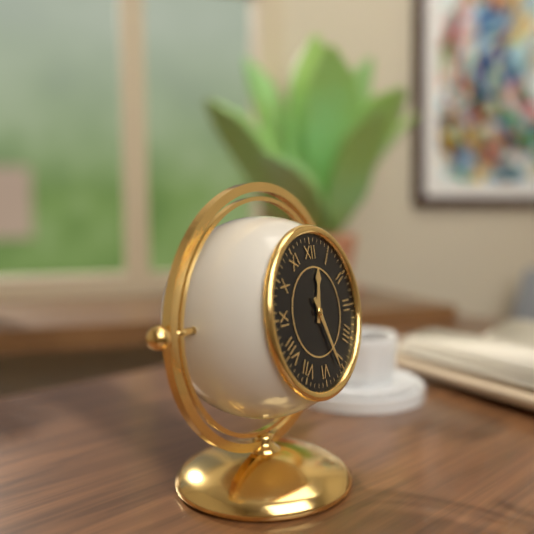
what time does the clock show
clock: 12:26
